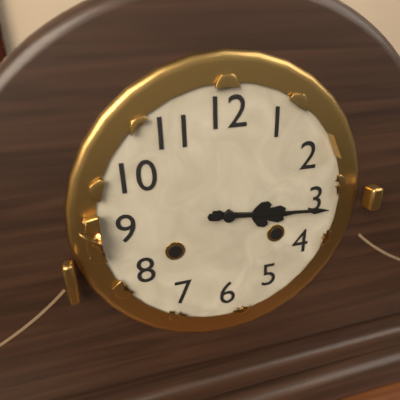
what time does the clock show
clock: 3:16
